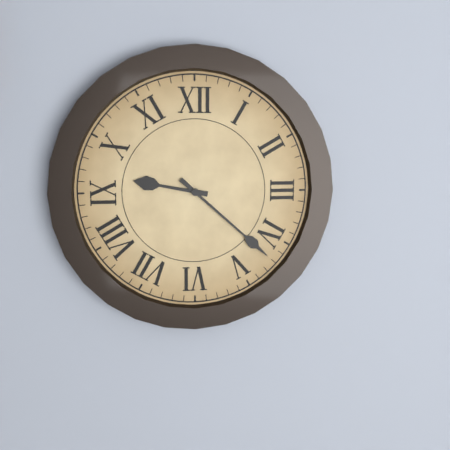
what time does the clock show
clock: 9:22
